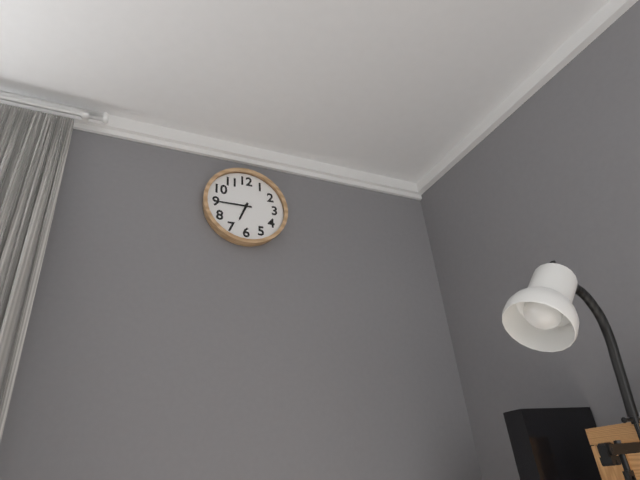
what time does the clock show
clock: 6:45
